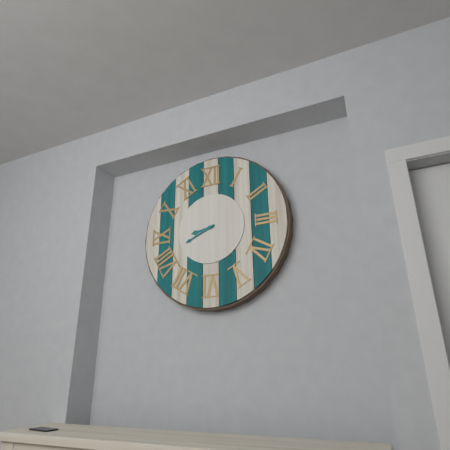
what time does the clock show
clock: 8:41
